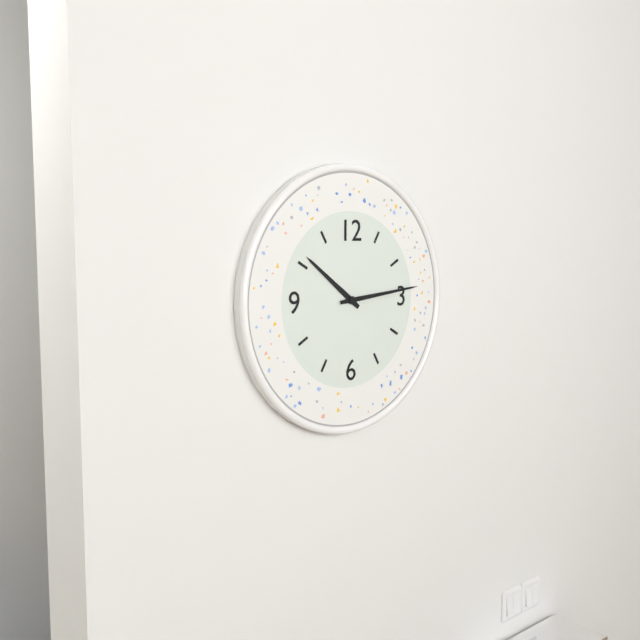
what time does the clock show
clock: 10:14
